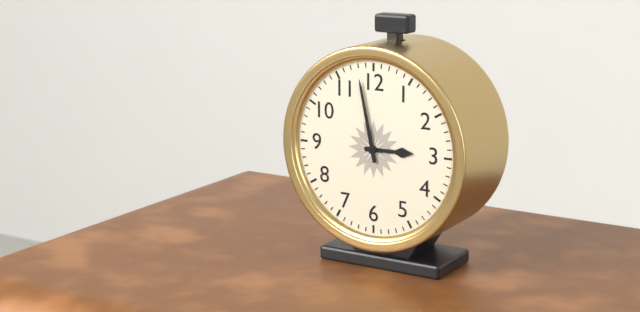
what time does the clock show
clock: 2:58
